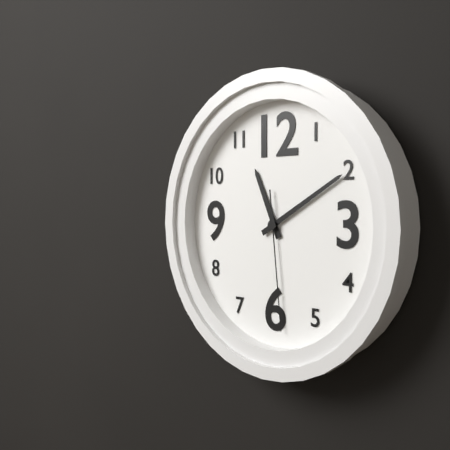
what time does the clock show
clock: 11:10:29
